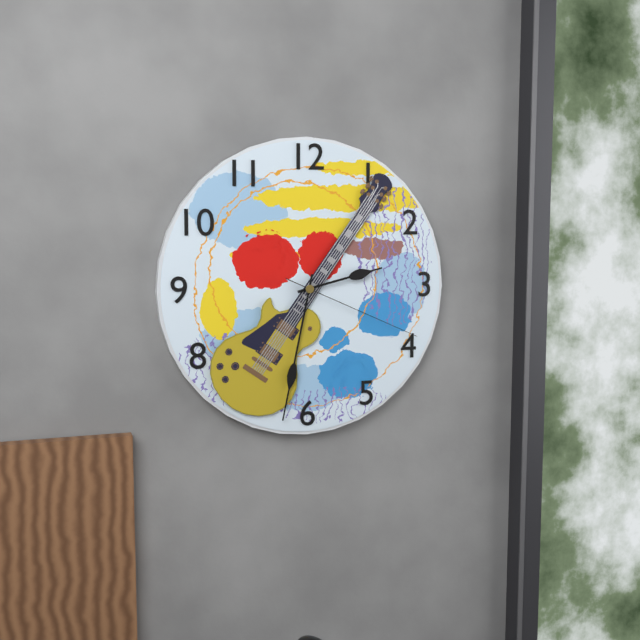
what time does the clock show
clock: 2:32:19
